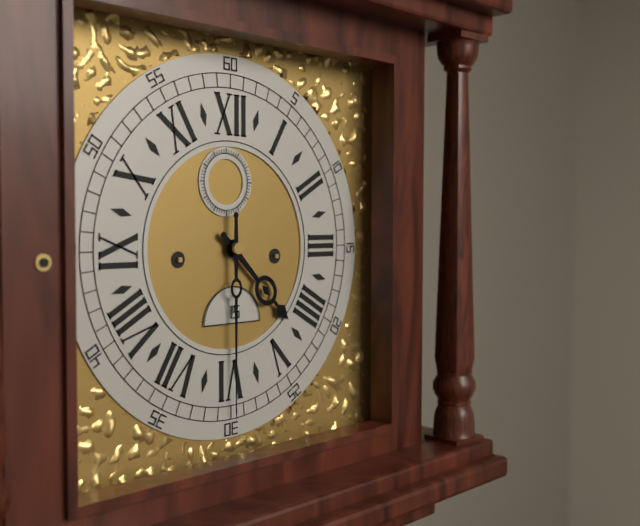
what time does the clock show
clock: 4:30
